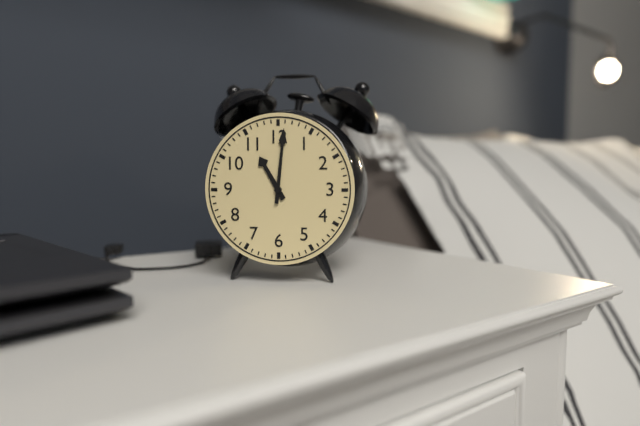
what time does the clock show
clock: 11:01
